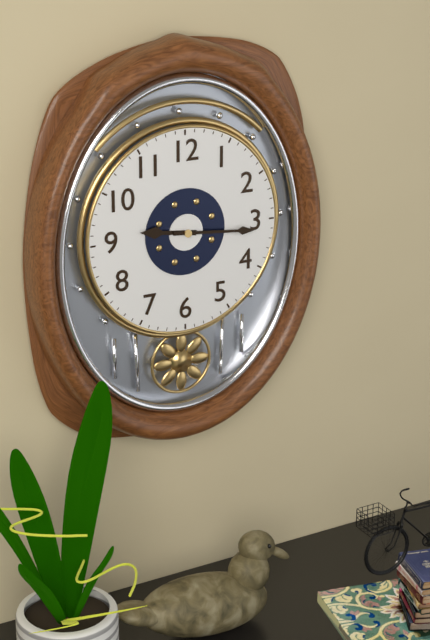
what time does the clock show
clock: 9:16
